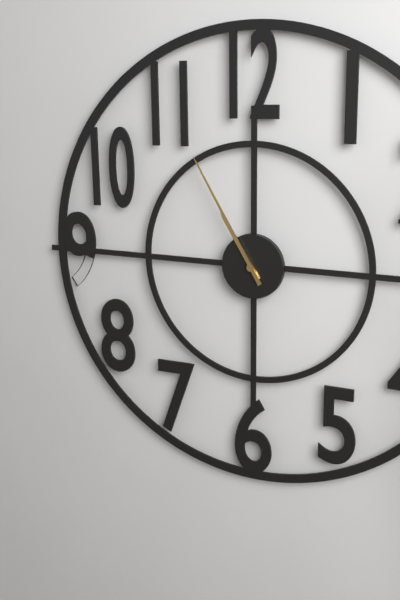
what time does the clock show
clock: 10:55
